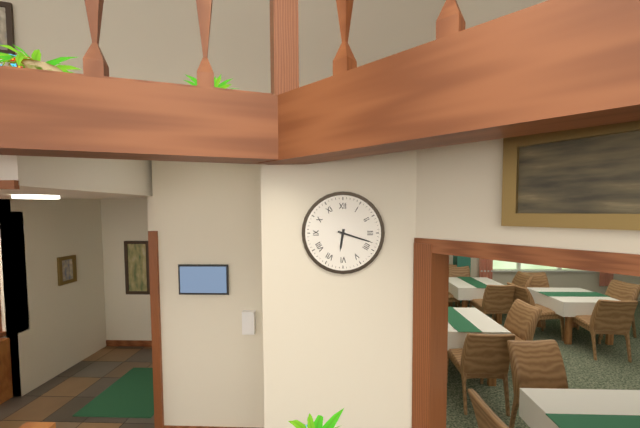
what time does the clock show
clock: 6:18
